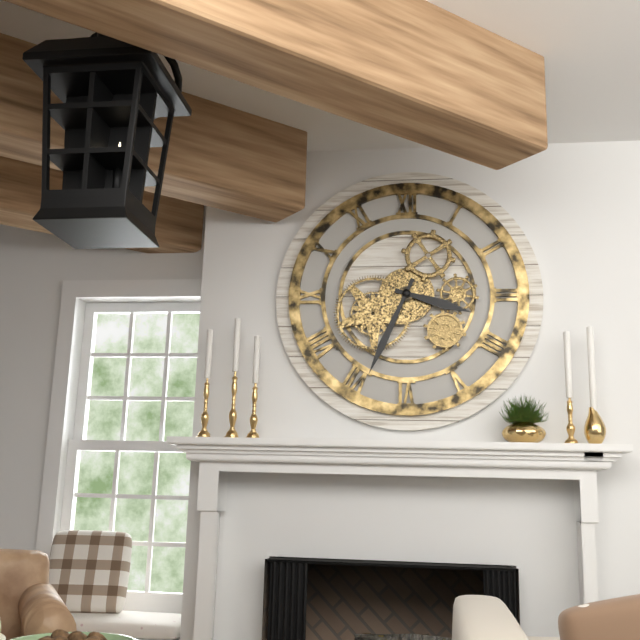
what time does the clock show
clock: 3:34
